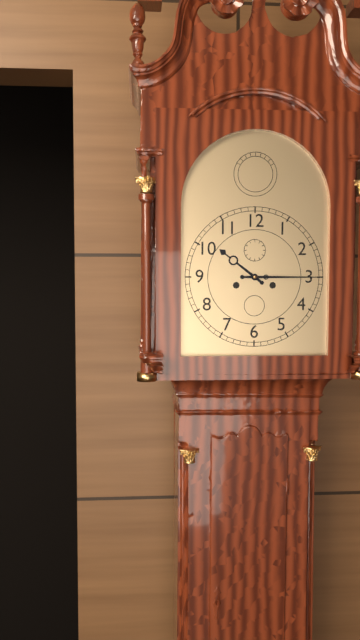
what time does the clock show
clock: 10:15
